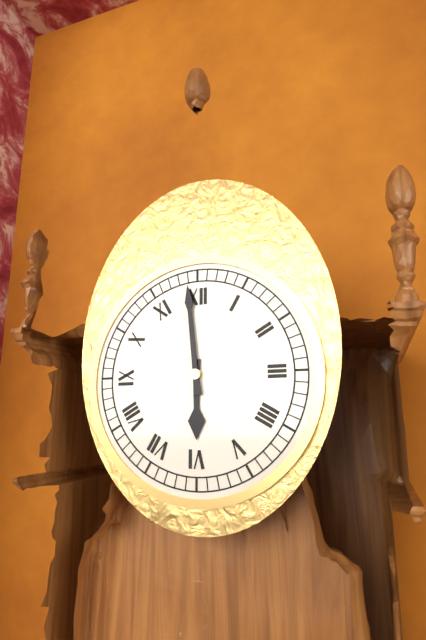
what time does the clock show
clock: 5:59
